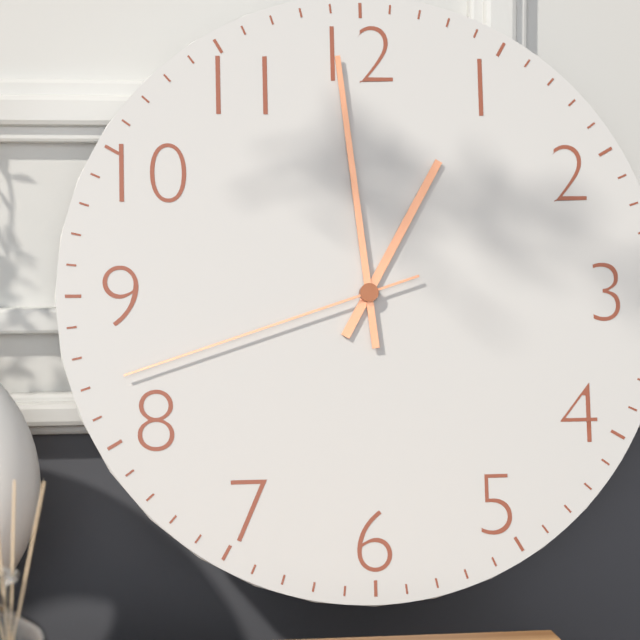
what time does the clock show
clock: 12:59:42
